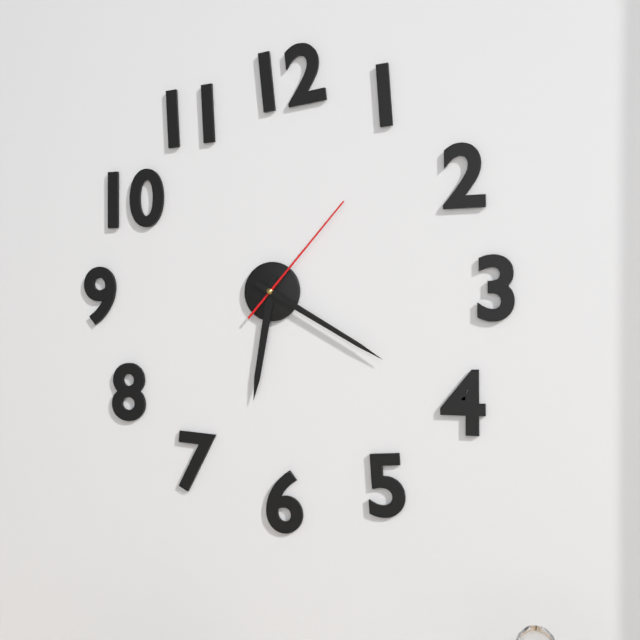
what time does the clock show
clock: 6:20:07
